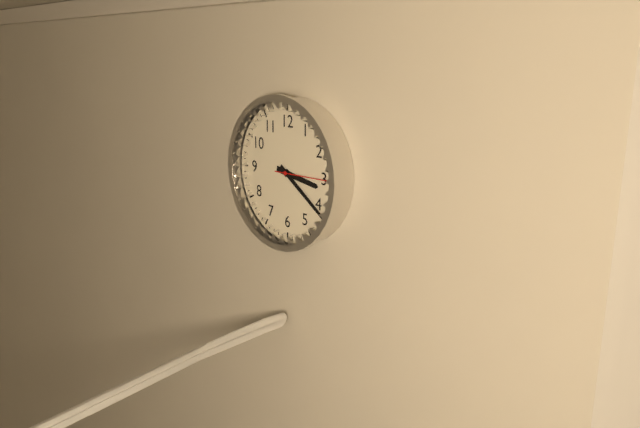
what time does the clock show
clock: 3:21:15
